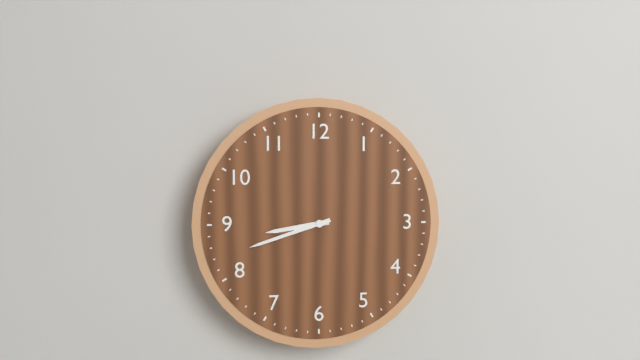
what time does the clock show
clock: 8:42
